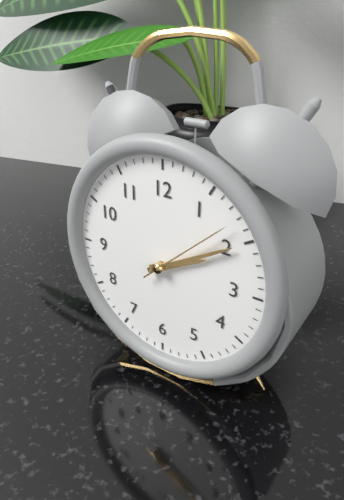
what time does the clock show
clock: 2:10:08
